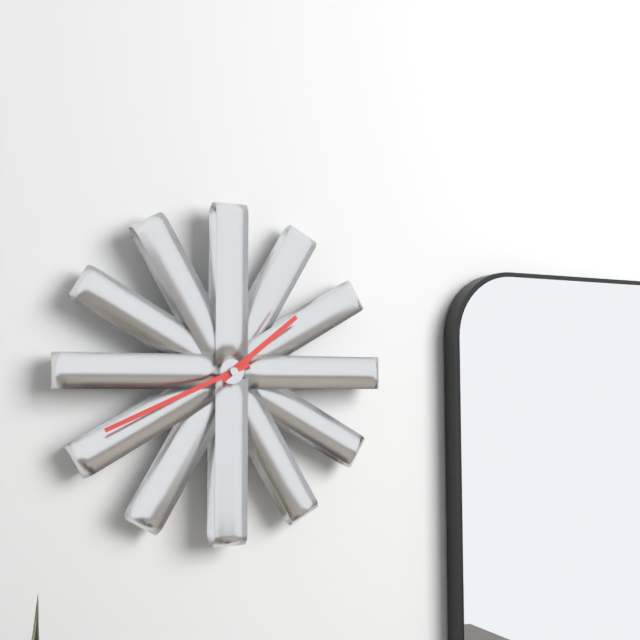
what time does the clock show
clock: 1:41
